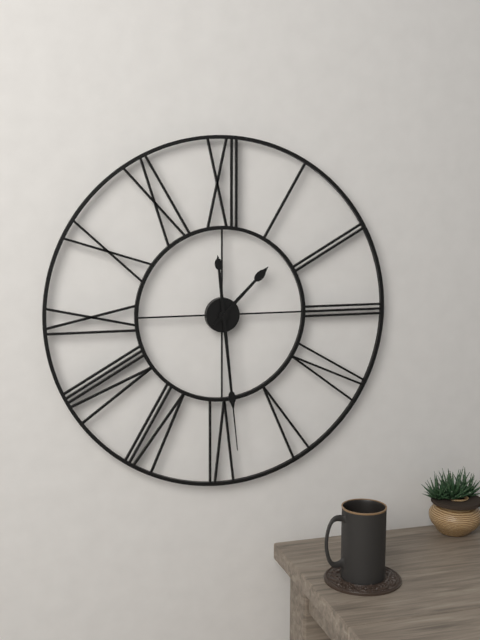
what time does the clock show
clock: 1:29
